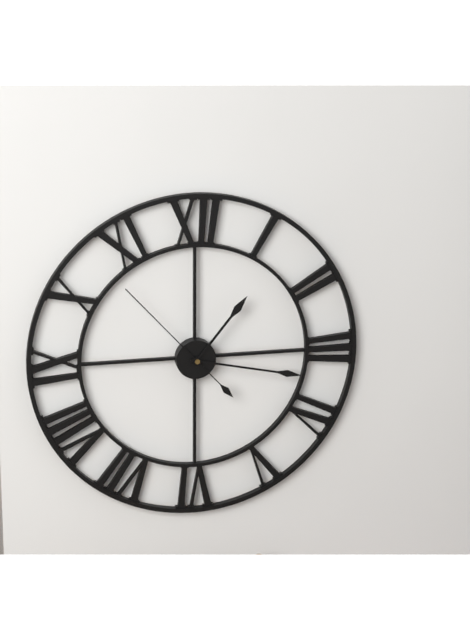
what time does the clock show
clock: 1:17:53
